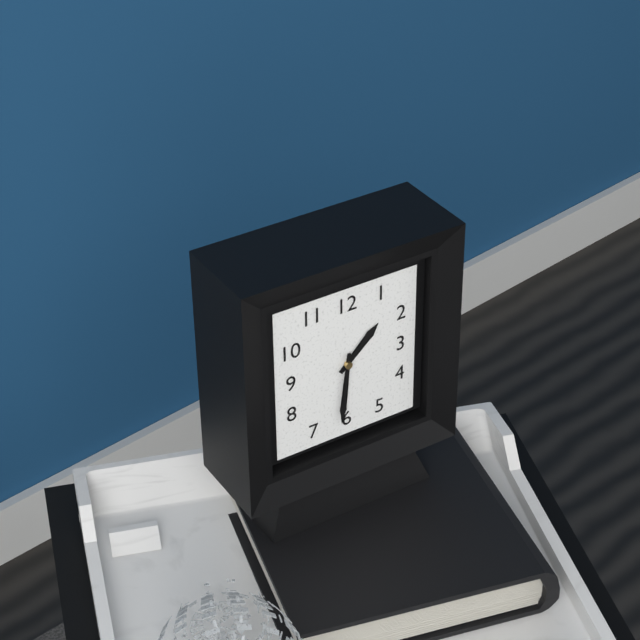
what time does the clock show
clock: 1:31
